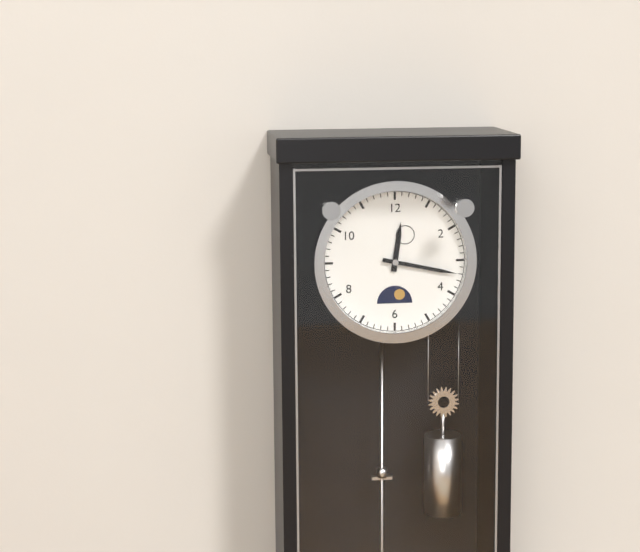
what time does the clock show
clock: 12:17
